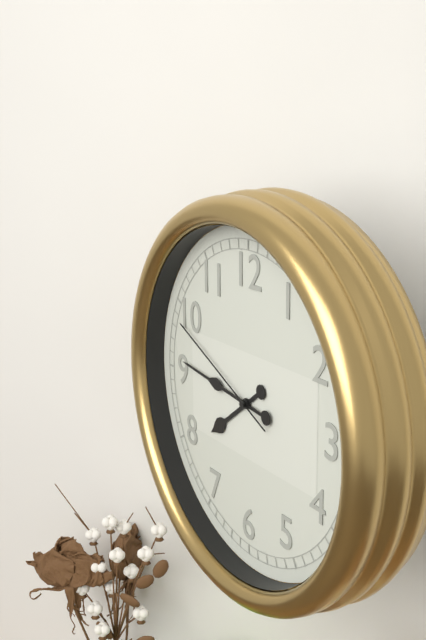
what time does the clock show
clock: 7:46:49
